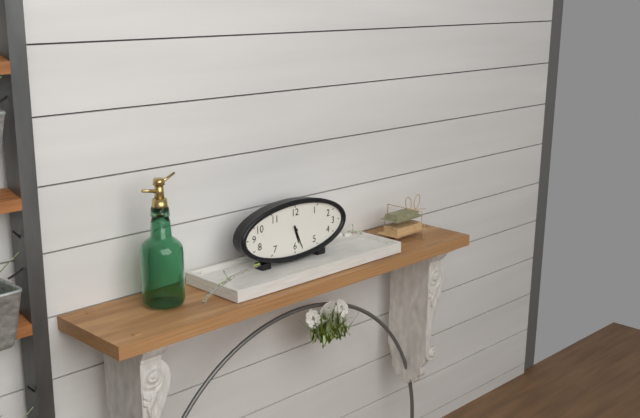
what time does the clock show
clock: 5:26
